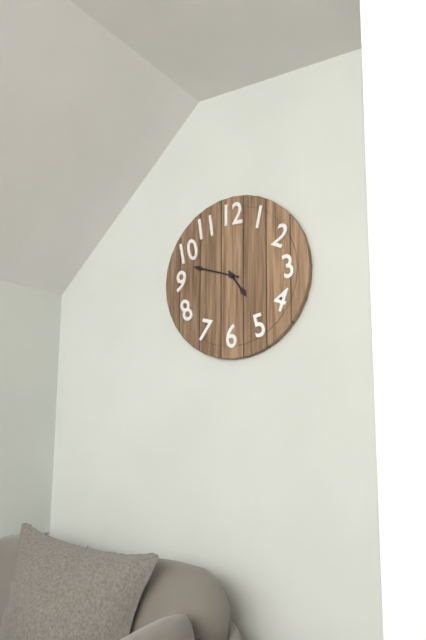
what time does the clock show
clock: 4:48
